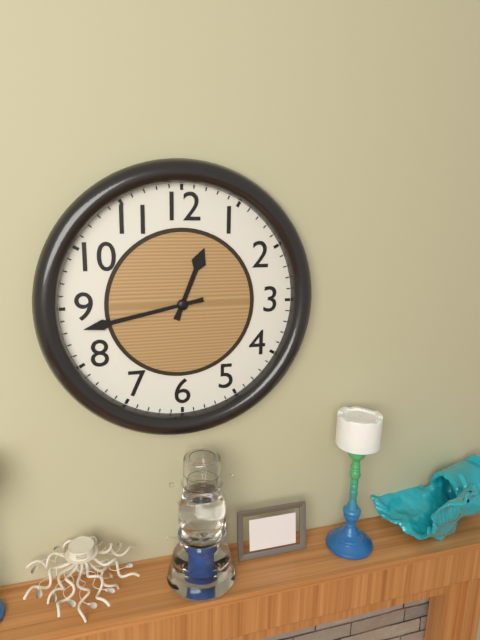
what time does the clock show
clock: 12:43
